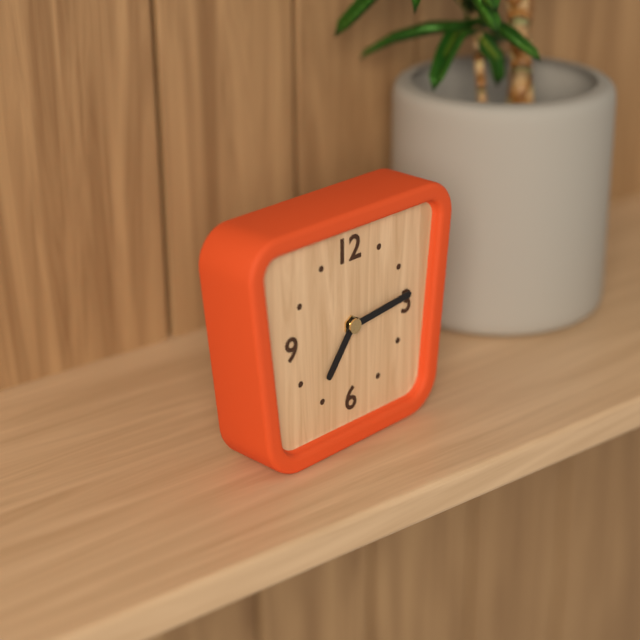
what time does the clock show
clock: 7:14
